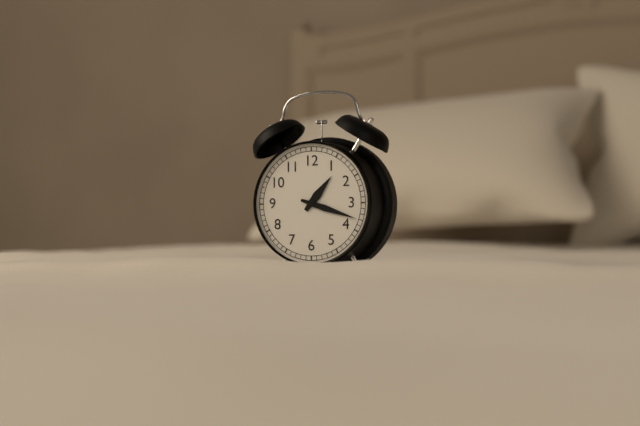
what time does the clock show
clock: 1:18
